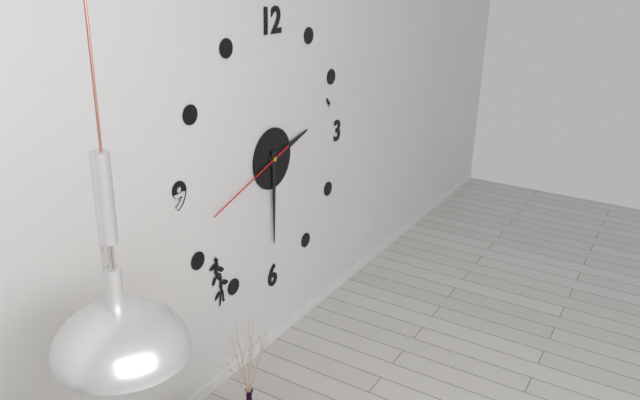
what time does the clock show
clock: 2:30:42
